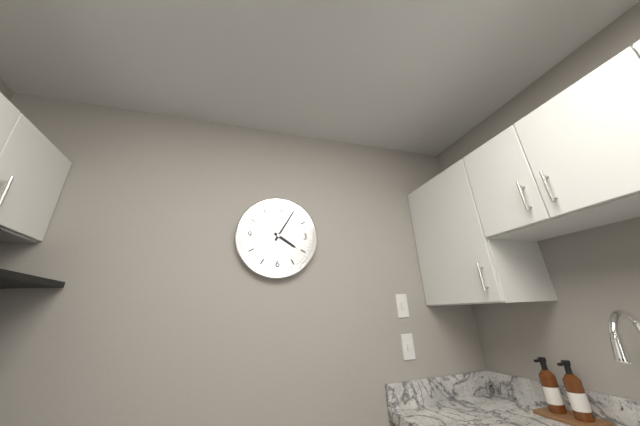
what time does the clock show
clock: 4:05
